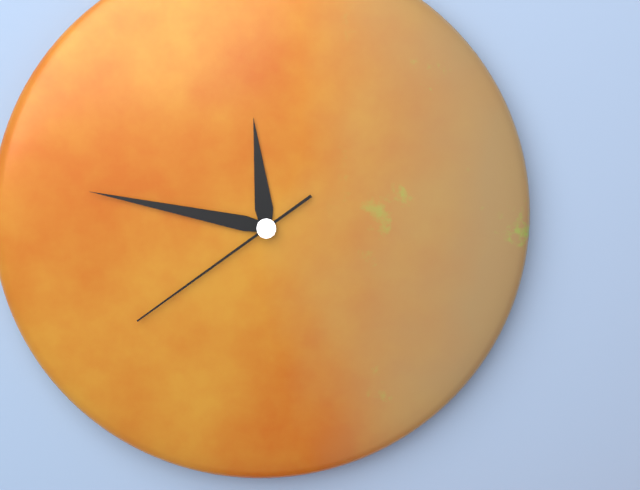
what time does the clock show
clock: 11:47:39
